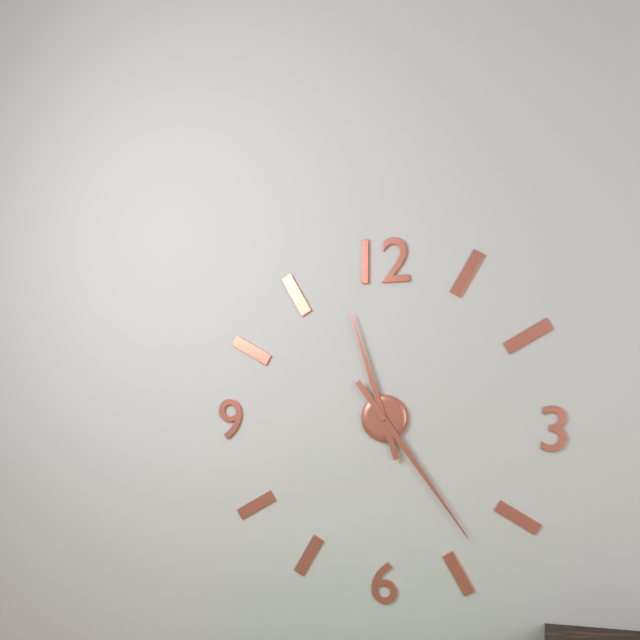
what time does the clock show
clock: 11:24
